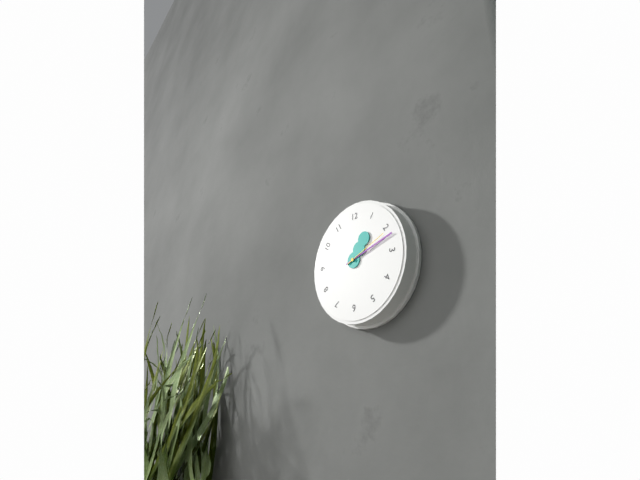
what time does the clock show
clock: 1:12
